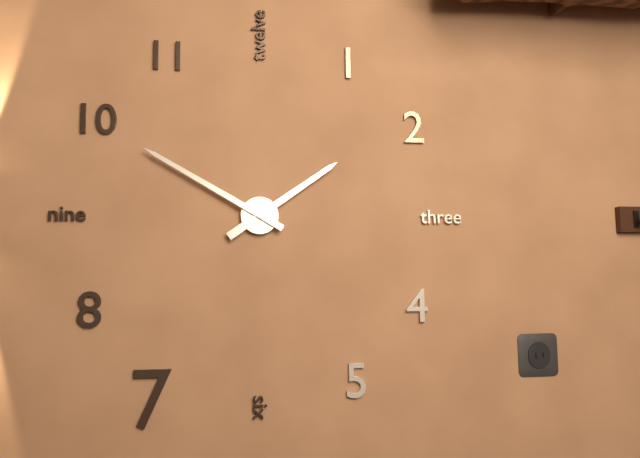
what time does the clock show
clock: 1:50
